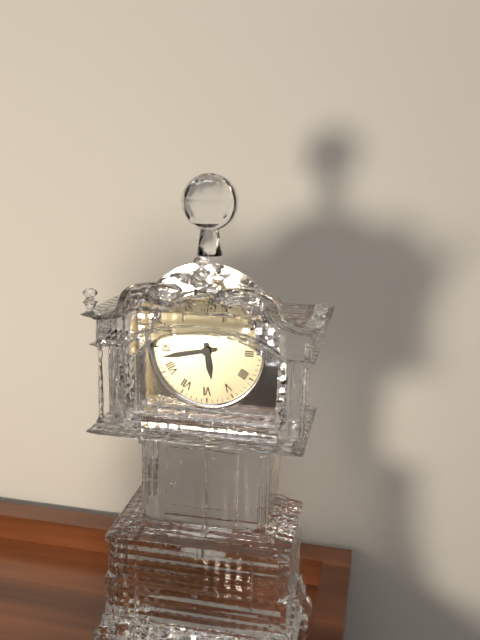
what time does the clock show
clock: 5:43
